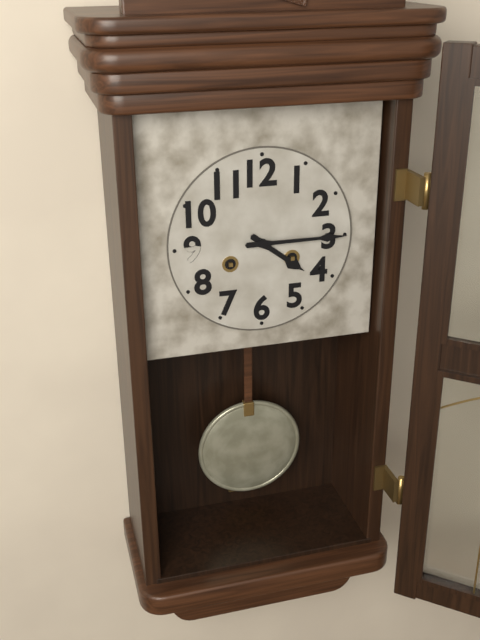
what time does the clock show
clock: 4:15
